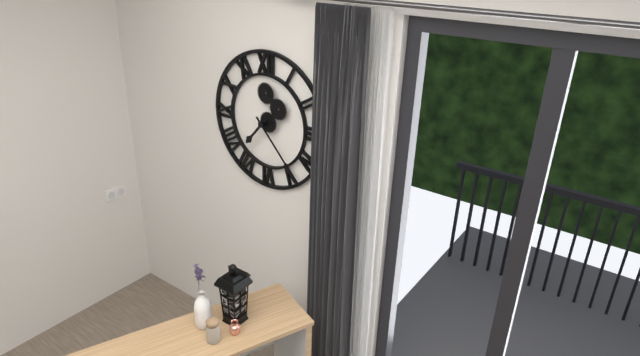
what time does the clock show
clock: 7:23
